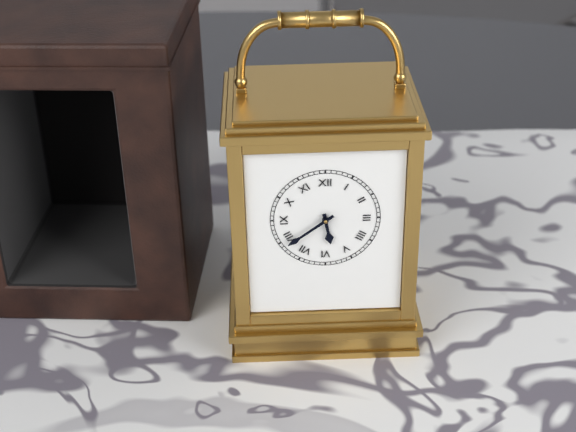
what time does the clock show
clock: 5:39
